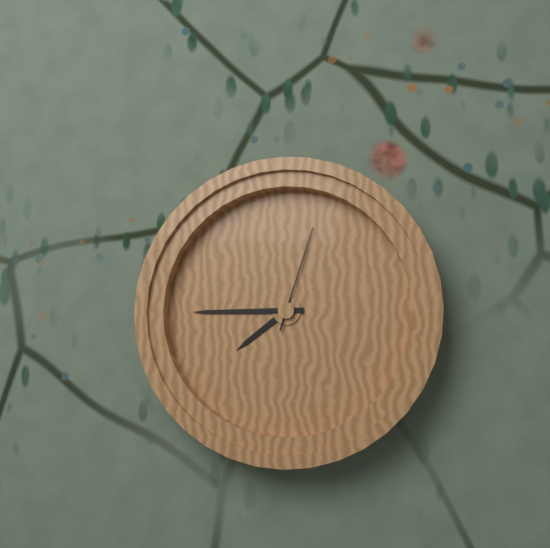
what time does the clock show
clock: 7:45:03
